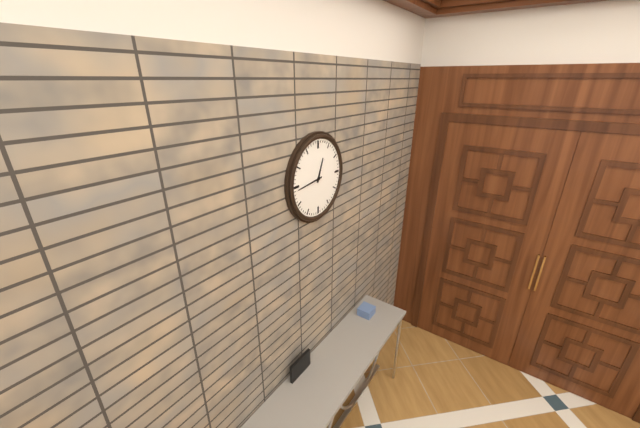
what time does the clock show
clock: 12:44
